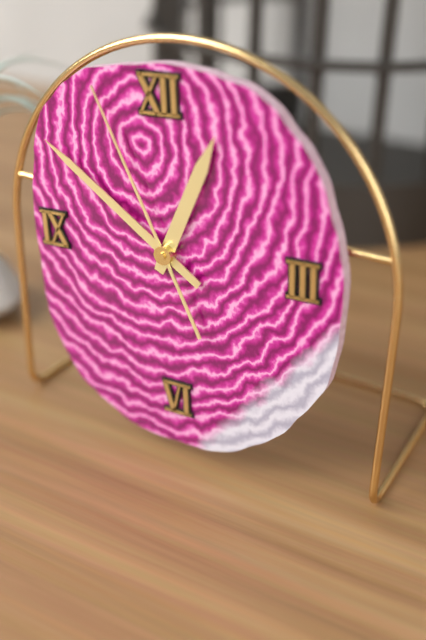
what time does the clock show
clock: 12:51:56
